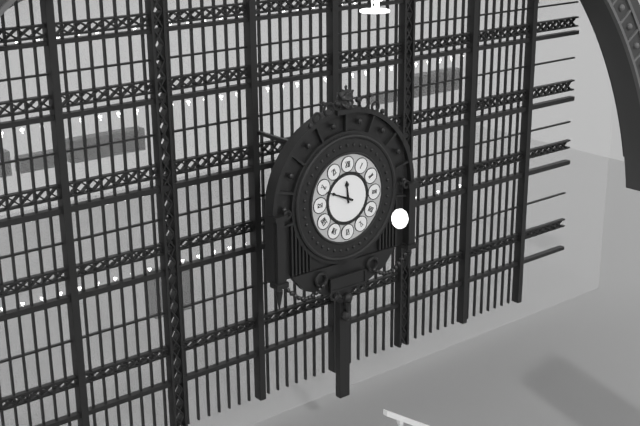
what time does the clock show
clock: 11:49
